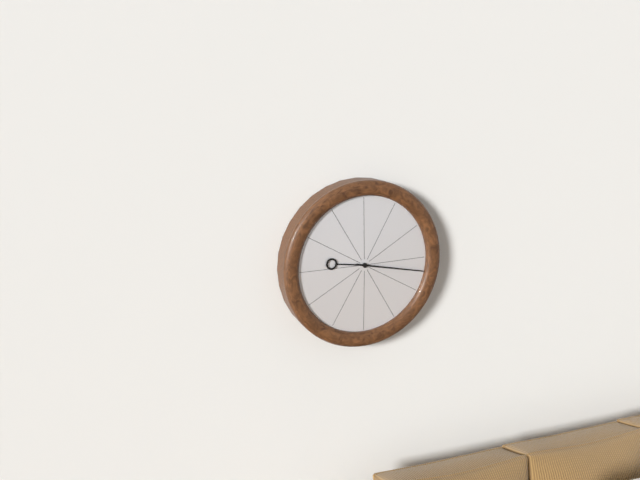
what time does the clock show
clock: 9:17
